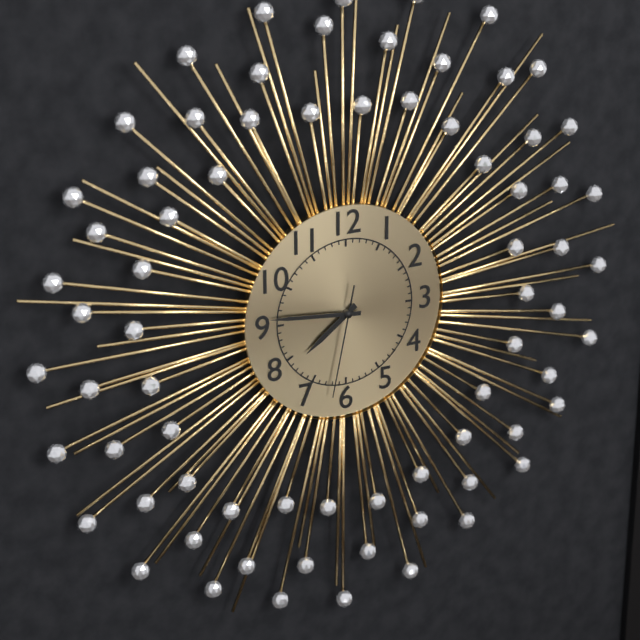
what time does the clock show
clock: 7:46:32
